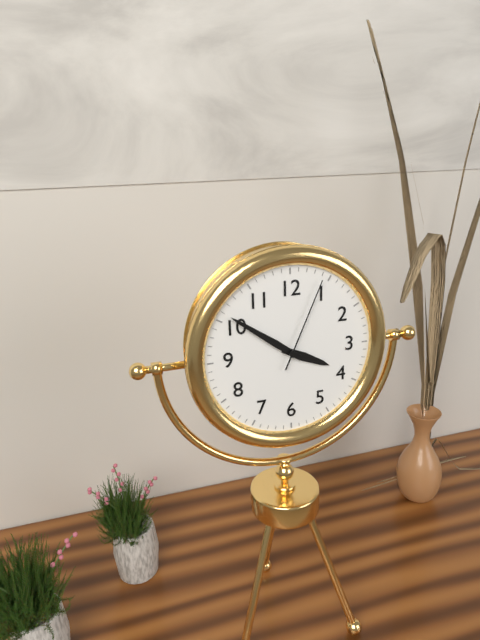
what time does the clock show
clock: 3:51:04
